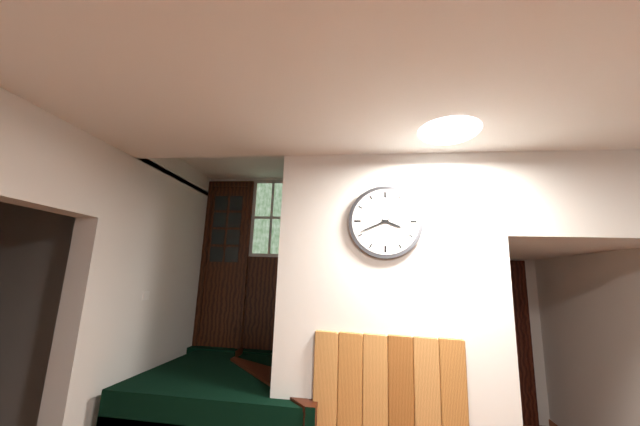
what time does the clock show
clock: 3:41
